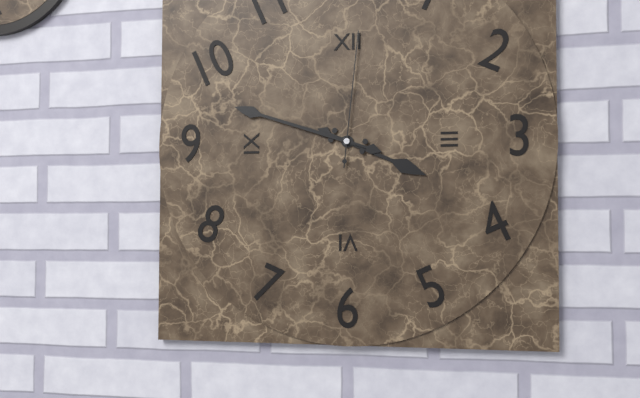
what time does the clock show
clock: 3:48:01
